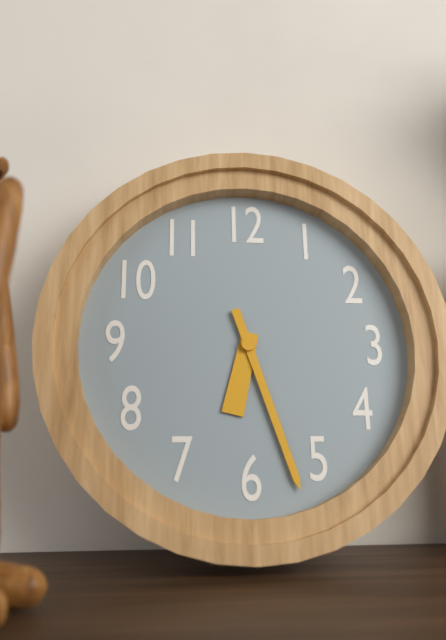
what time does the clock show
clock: 6:27
